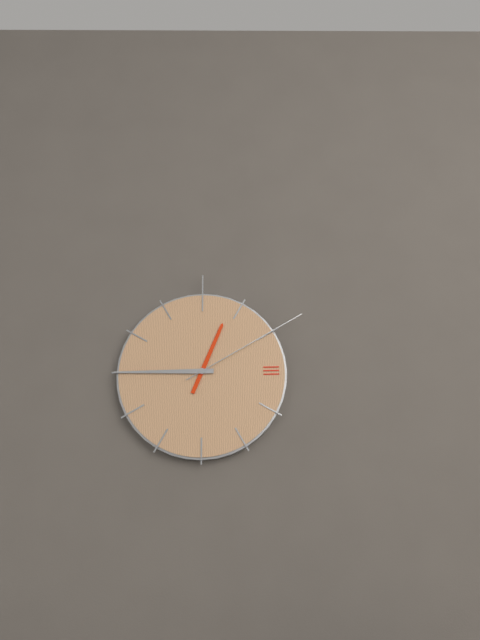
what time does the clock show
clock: 12:45:10
